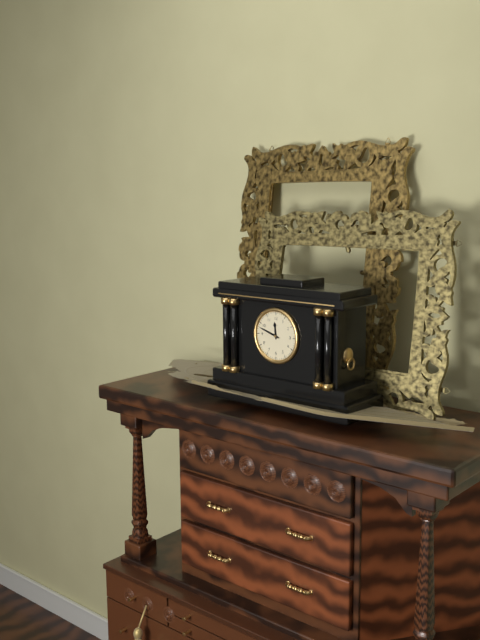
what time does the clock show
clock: 11:48
